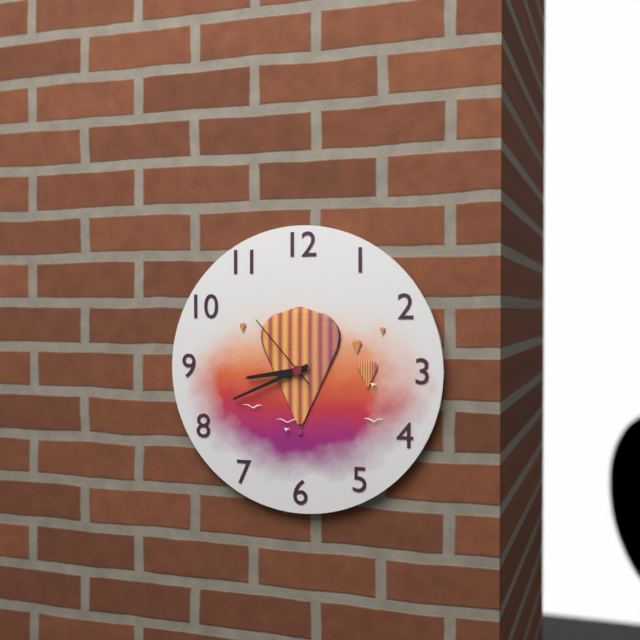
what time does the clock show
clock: 8:41:53
